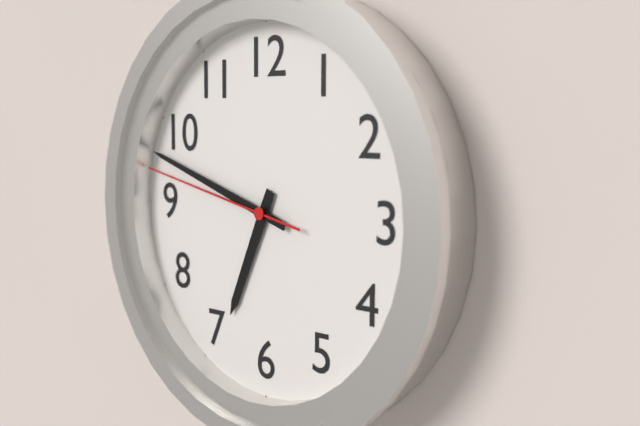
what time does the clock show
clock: 6:48:47
